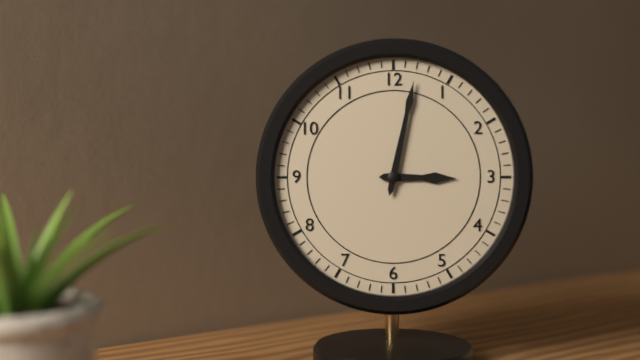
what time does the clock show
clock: 3:02
